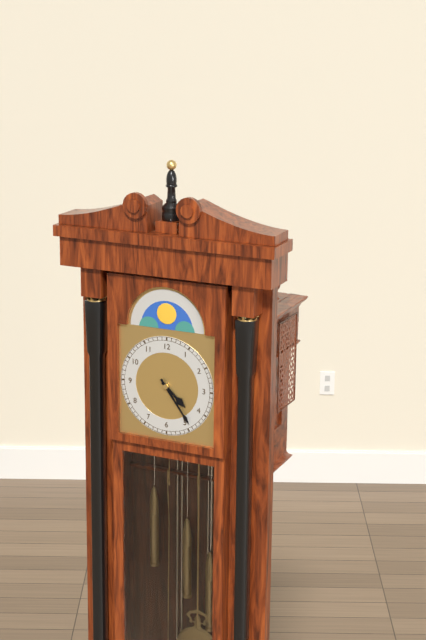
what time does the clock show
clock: 4:24
